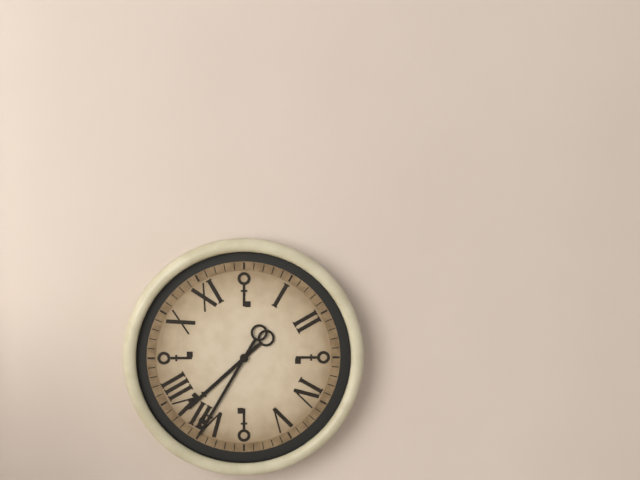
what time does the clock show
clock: 7:35
